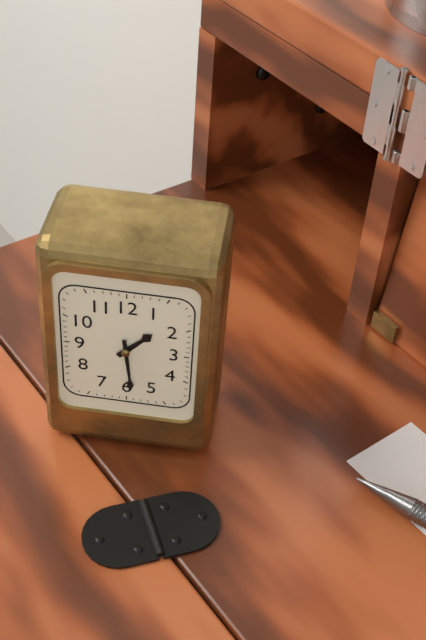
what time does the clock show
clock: 1:29
